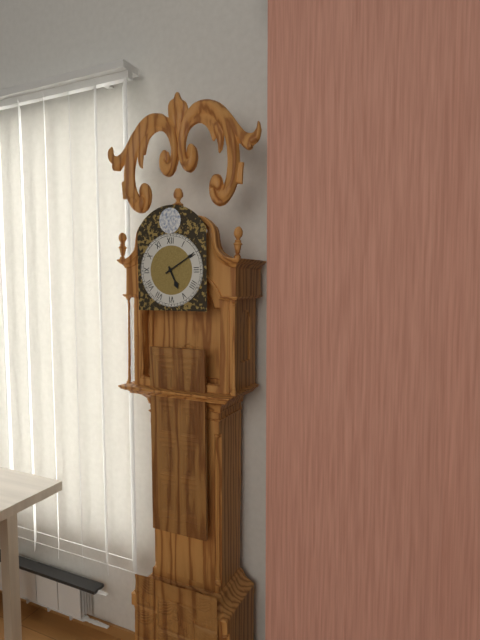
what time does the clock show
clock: 5:10
